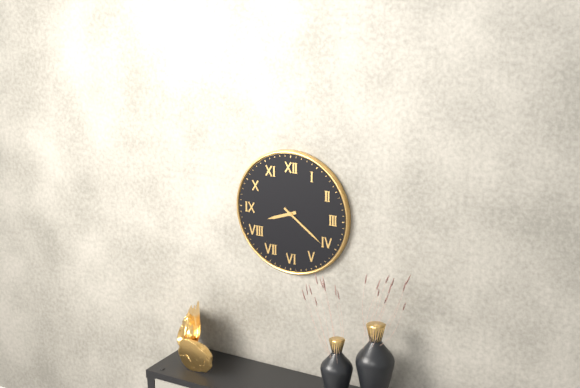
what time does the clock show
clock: 8:21
